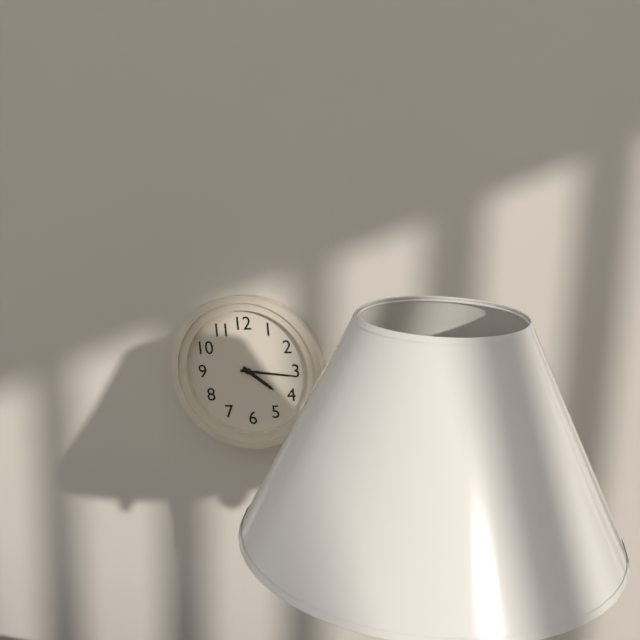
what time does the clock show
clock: 4:16
